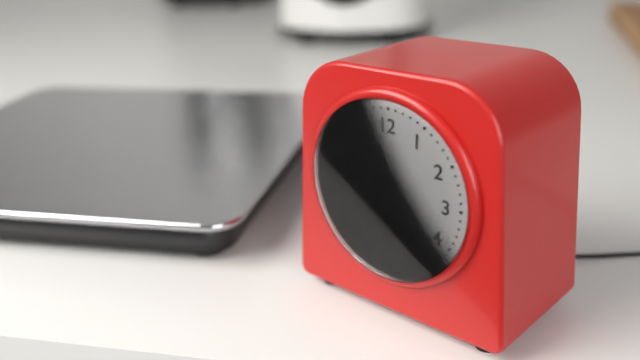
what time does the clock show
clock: 7:53
